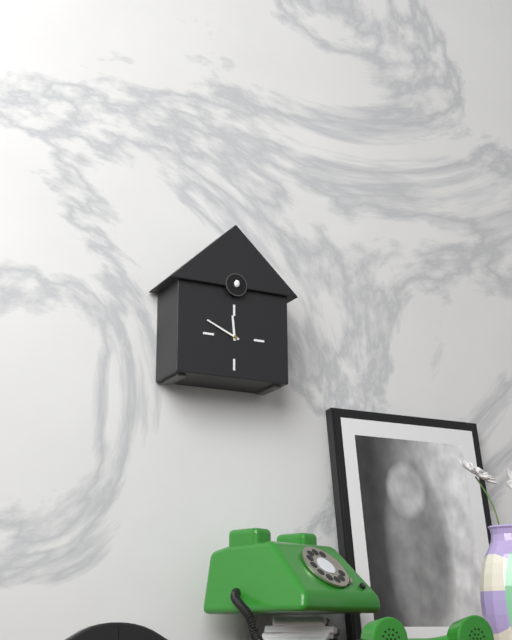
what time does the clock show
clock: 11:49
